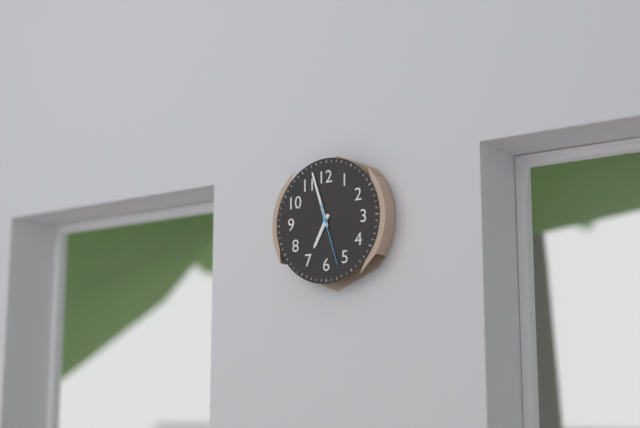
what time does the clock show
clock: 6:57:27
